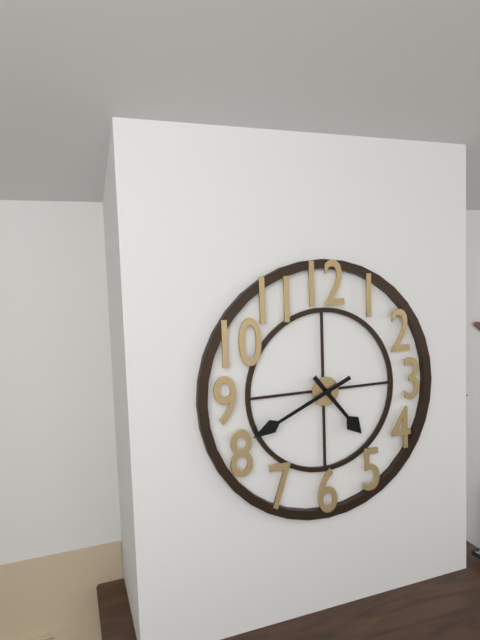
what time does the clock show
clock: 4:41
